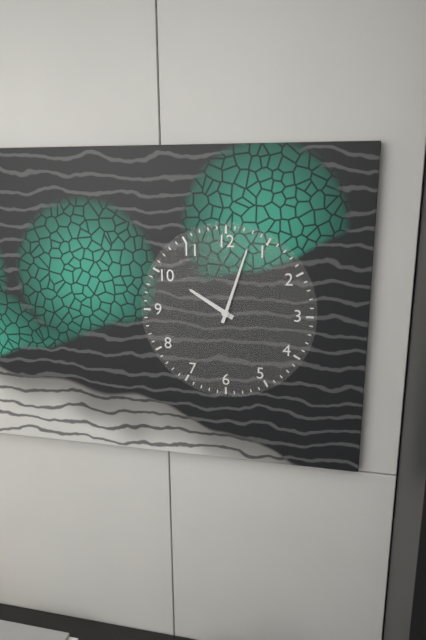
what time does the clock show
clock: 10:03
